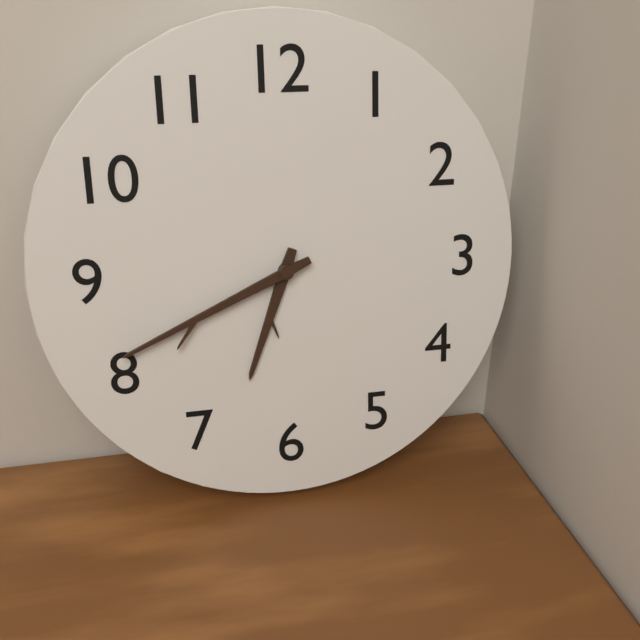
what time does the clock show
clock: 6:41
